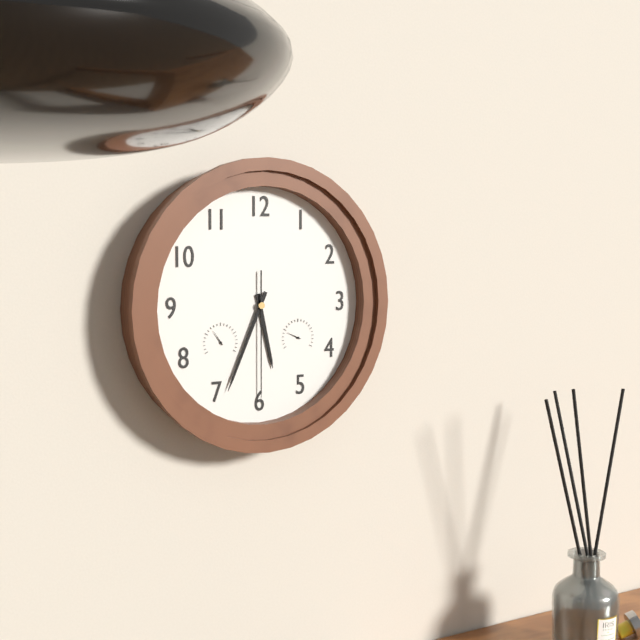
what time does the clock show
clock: 5:34:30
